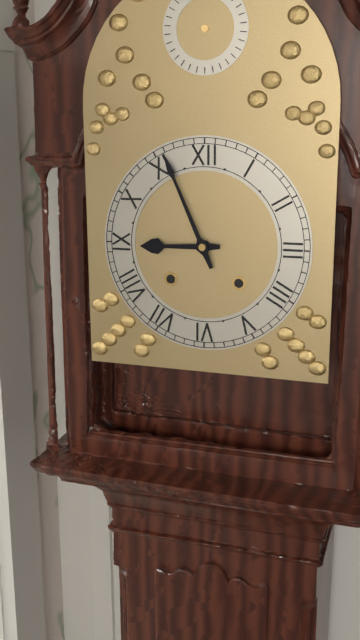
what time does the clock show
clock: 8:56
